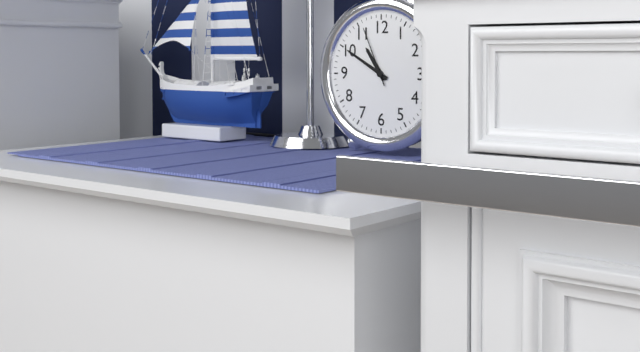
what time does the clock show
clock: 10:50:56
